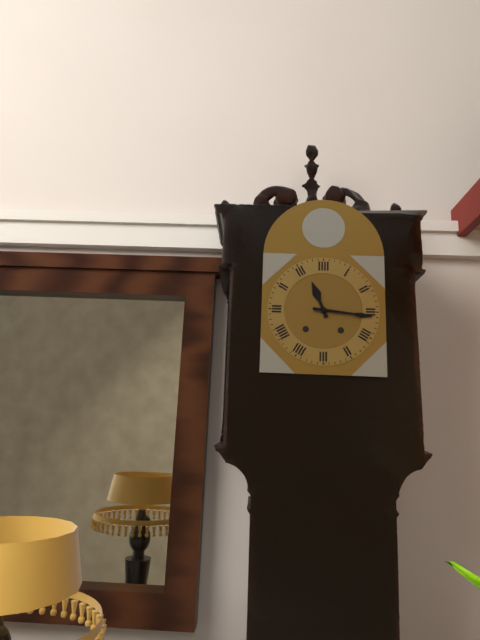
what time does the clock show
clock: 11:16
